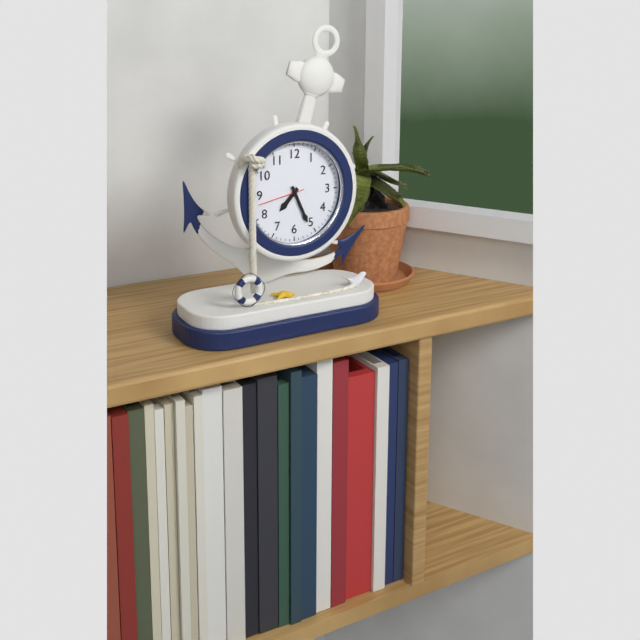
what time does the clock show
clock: 7:26
